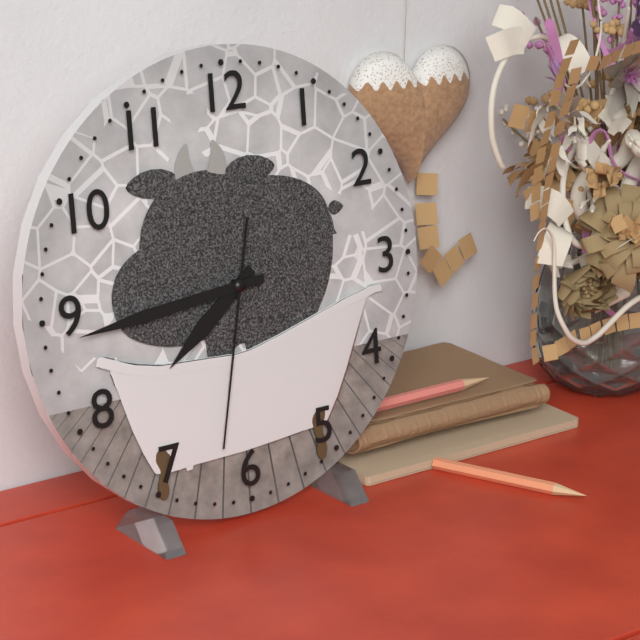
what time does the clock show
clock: 7:44:32
